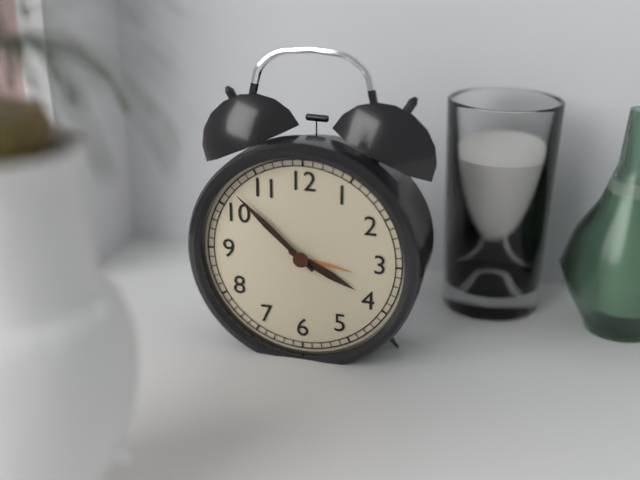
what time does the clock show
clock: 3:52
